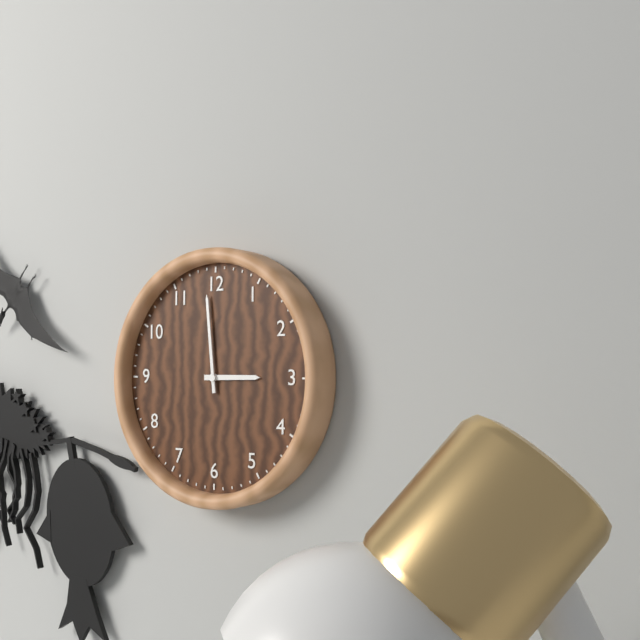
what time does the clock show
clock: 2:59
